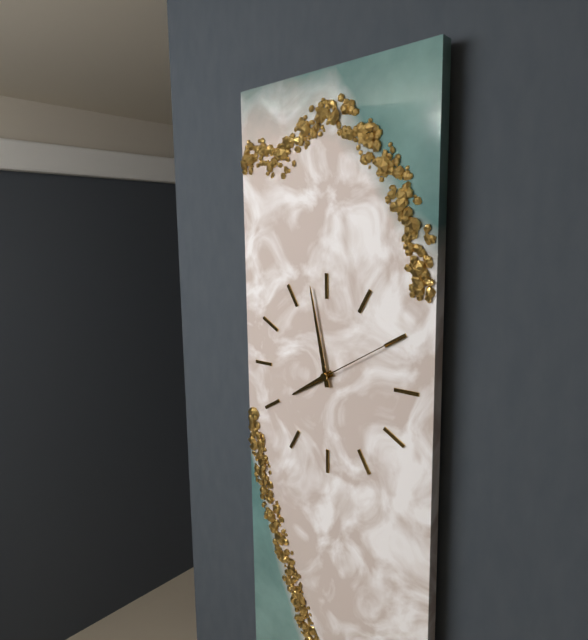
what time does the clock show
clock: 7:58:10
